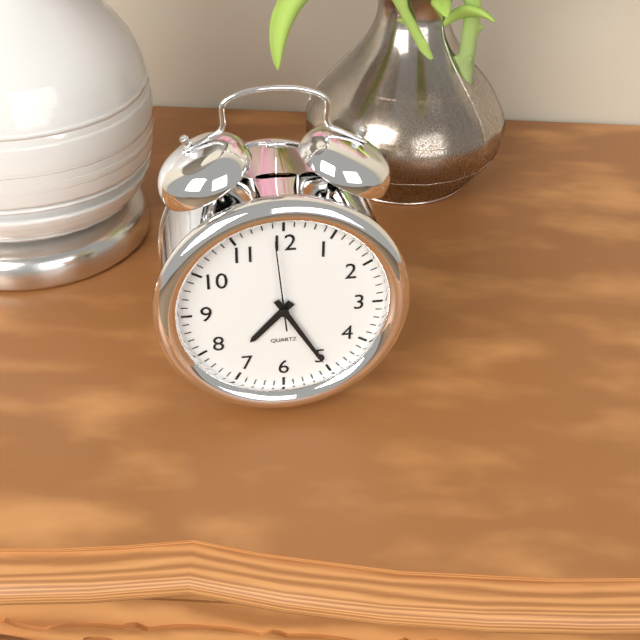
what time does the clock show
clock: 7:25:59
